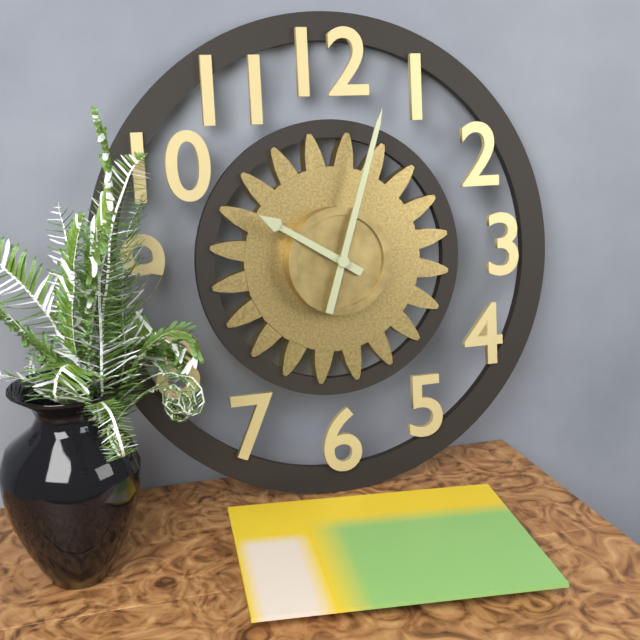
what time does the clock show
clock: 10:03
